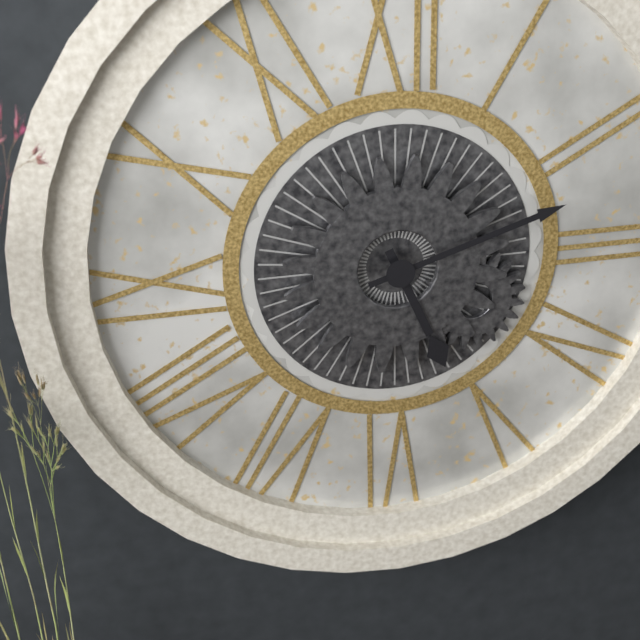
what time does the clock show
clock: 5:12
